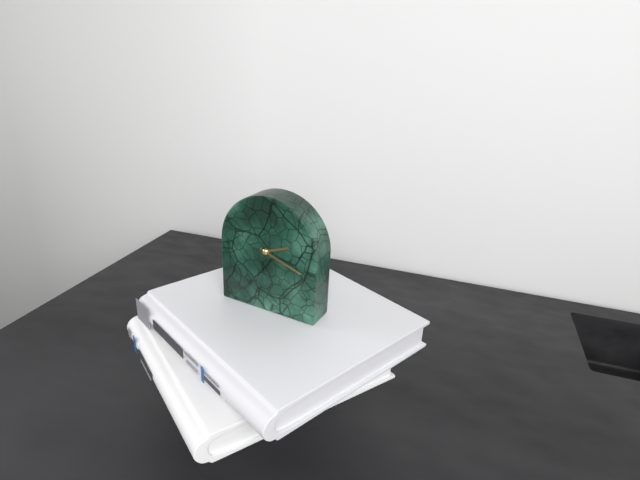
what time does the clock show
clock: 2:18
